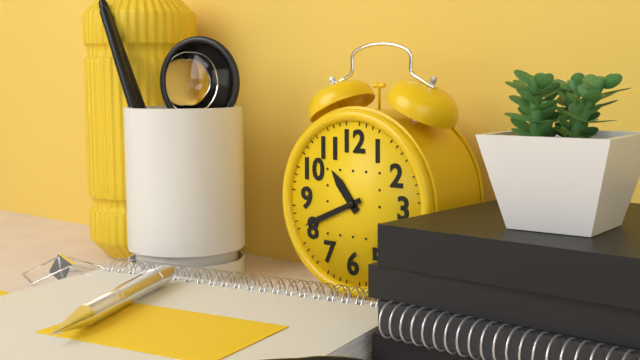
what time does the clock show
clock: 10:41
